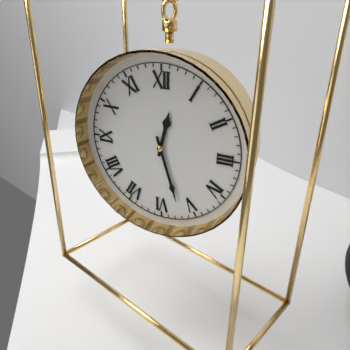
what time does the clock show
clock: 12:27
